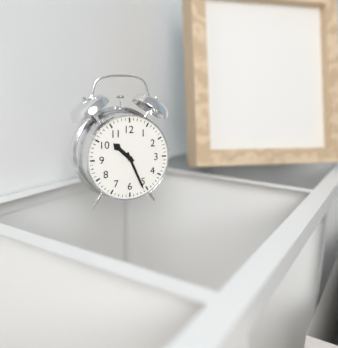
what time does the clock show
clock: 10:26
